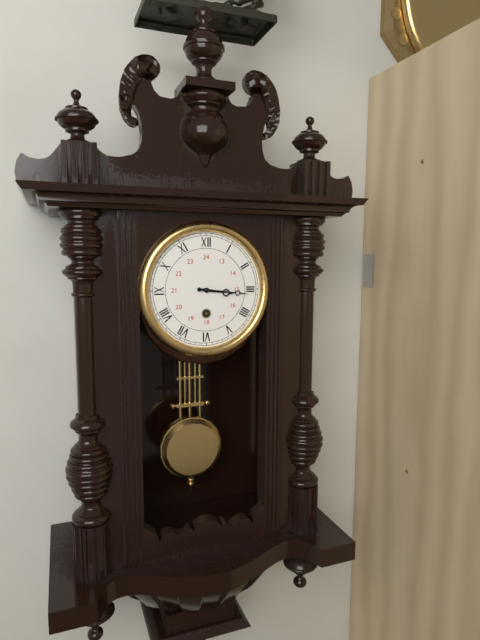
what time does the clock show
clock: 3:16
